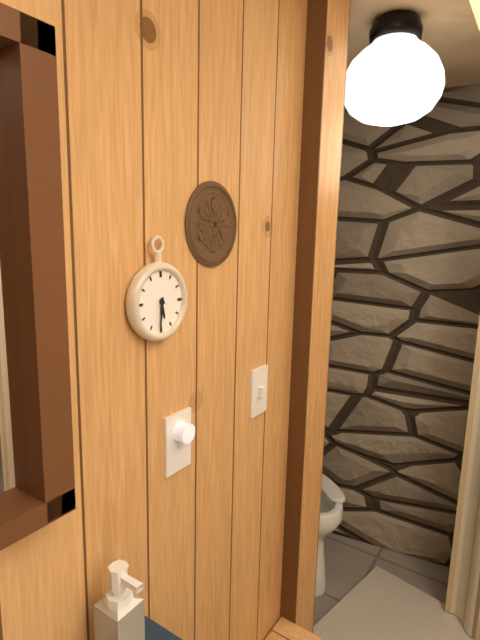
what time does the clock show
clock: 5:31
